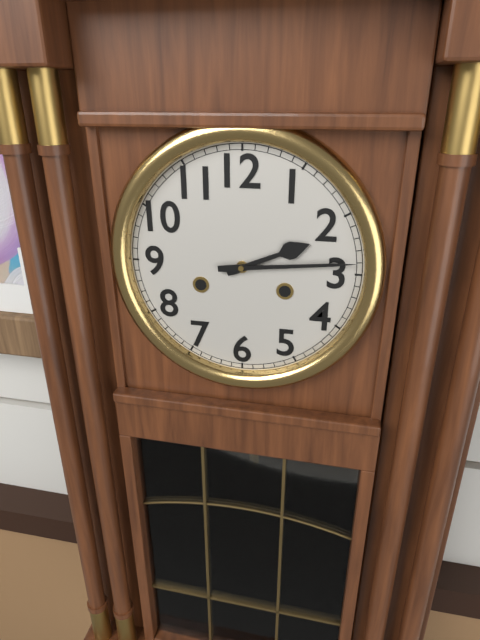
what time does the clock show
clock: 2:14
